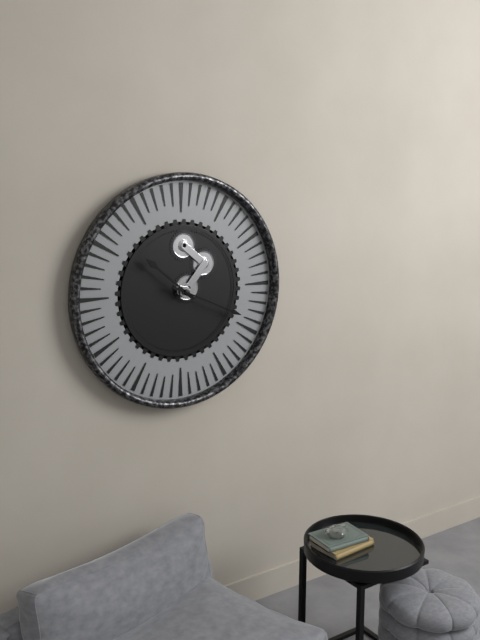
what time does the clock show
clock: 10:19
